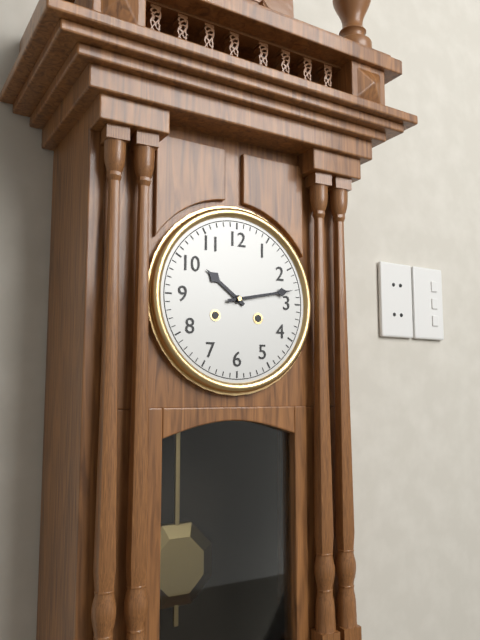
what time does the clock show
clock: 10:13
